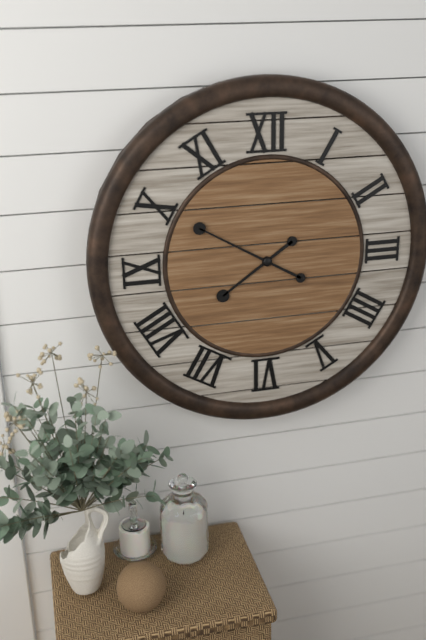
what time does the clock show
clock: 7:50
